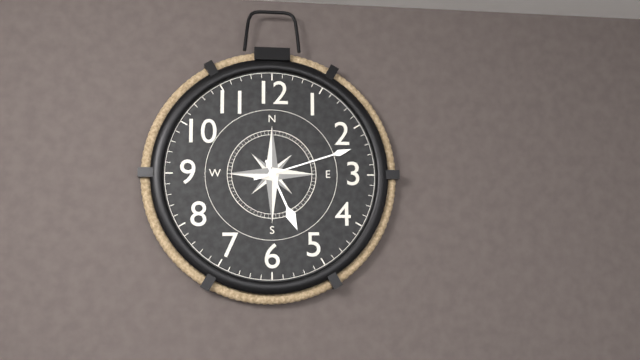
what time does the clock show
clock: 5:12
